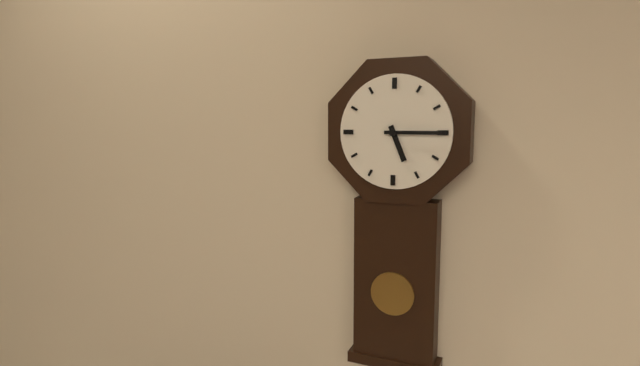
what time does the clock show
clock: 5:15
